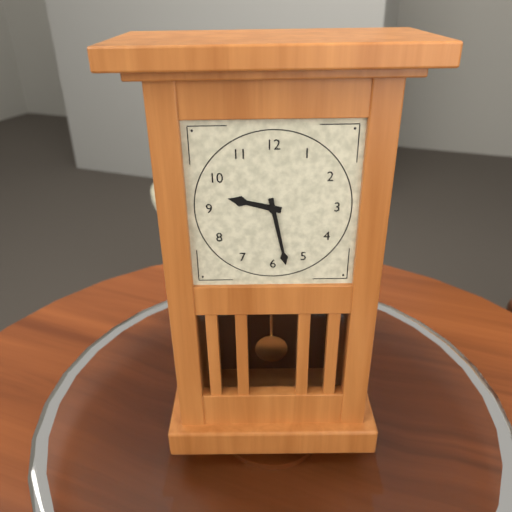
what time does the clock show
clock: 9:28
